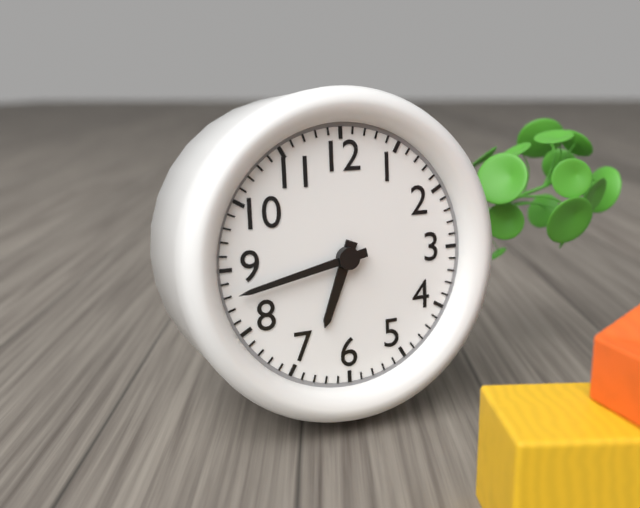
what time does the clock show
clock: 6:43
